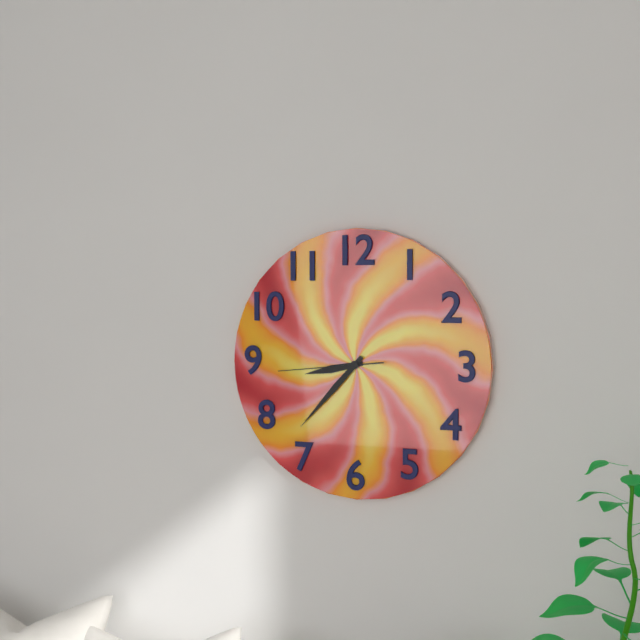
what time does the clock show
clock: 8:37:44
